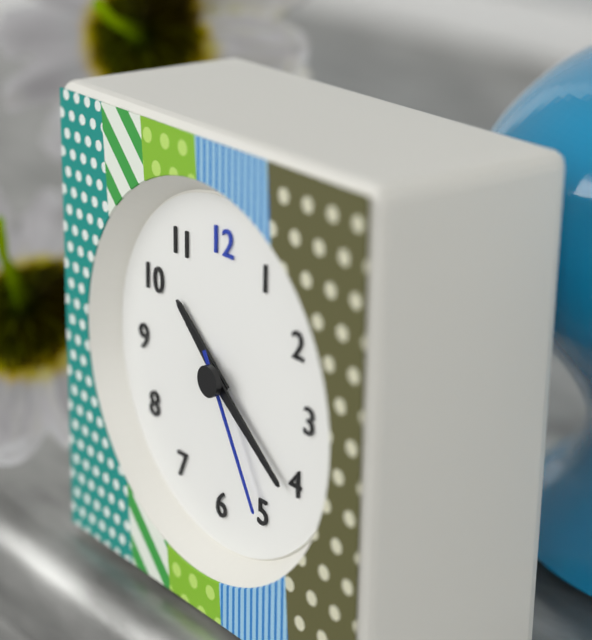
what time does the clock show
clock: 10:21:25
